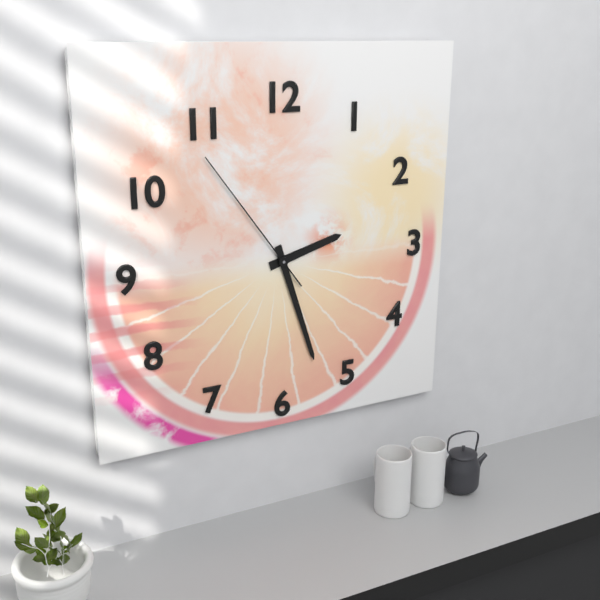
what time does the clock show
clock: 2:27:54
